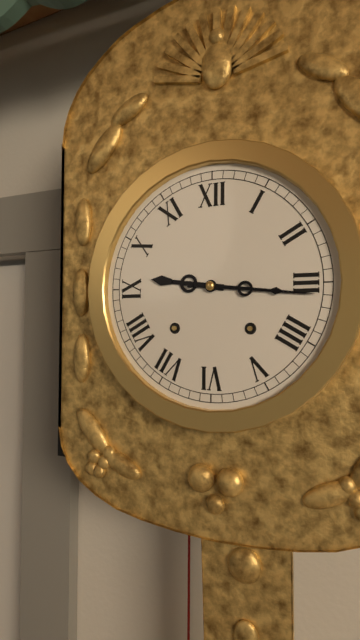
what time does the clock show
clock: 9:16
